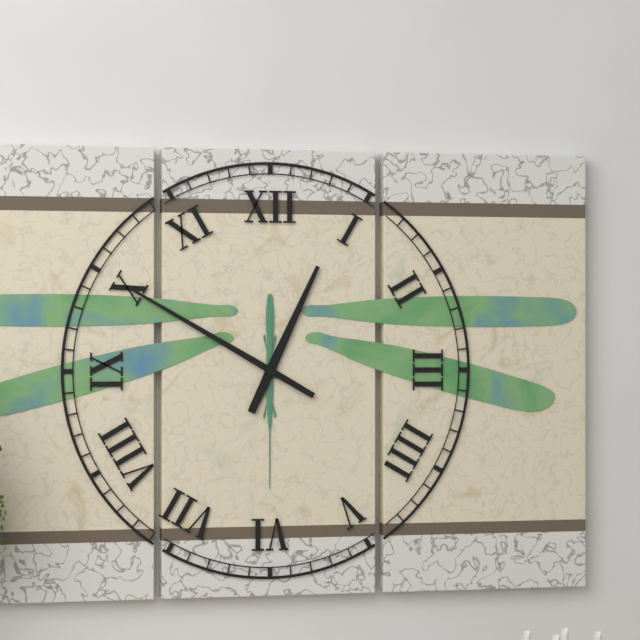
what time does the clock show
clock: 12:50
